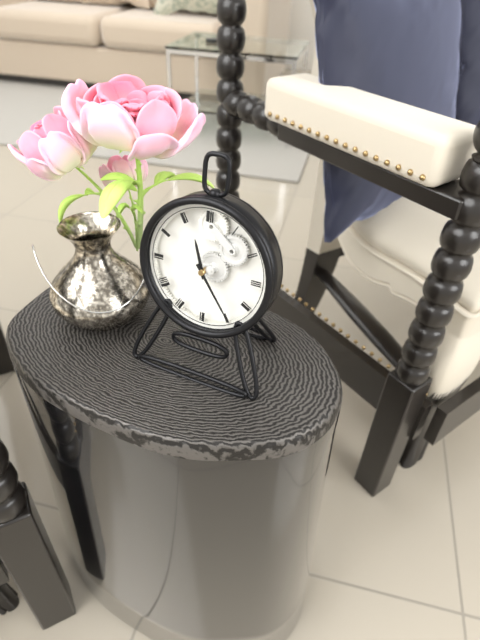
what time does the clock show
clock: 11:24
